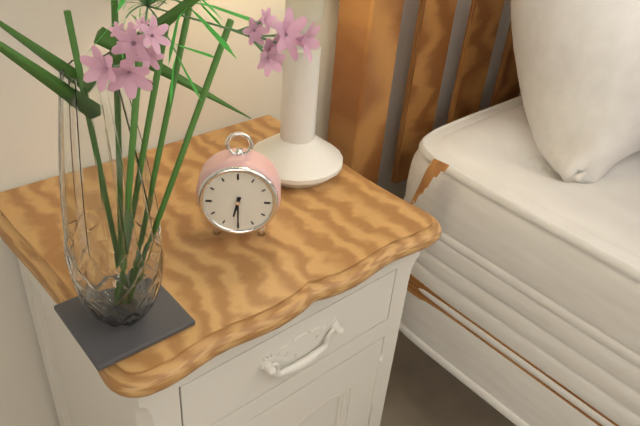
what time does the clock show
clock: 6:30
